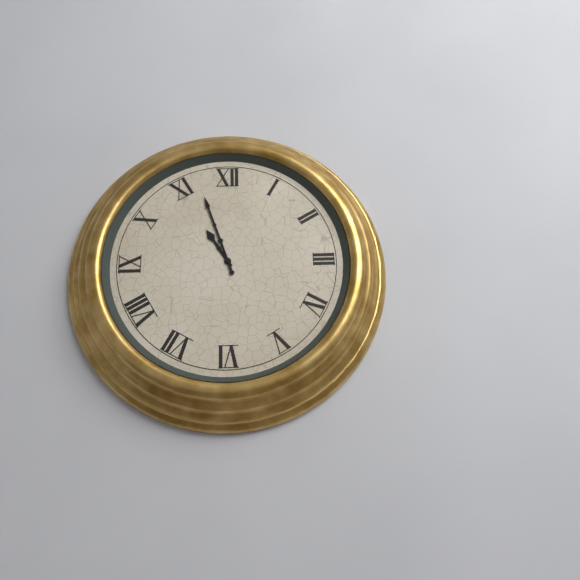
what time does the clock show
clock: 10:57
